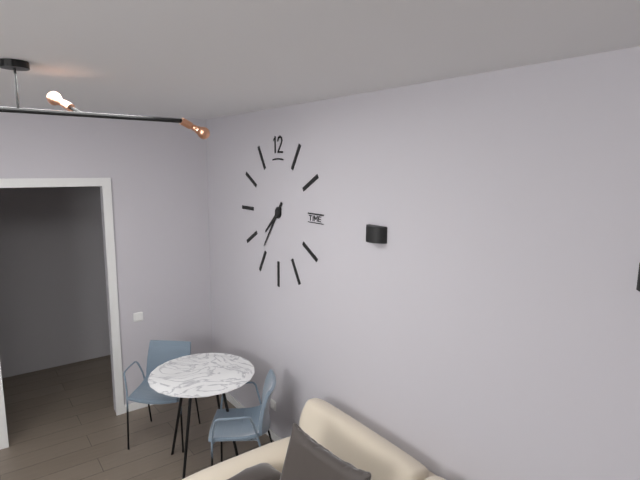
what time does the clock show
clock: 7:36
